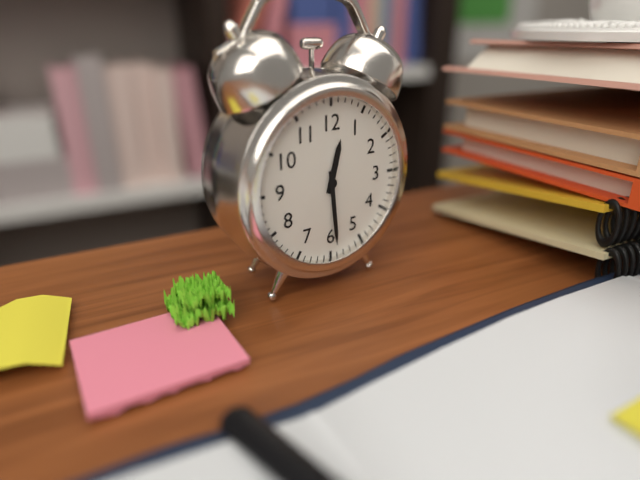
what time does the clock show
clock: 12:29
